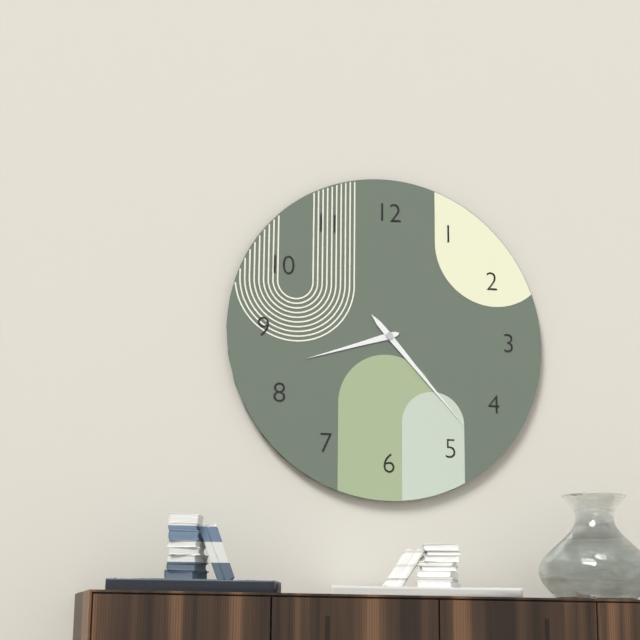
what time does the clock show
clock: 8:23
